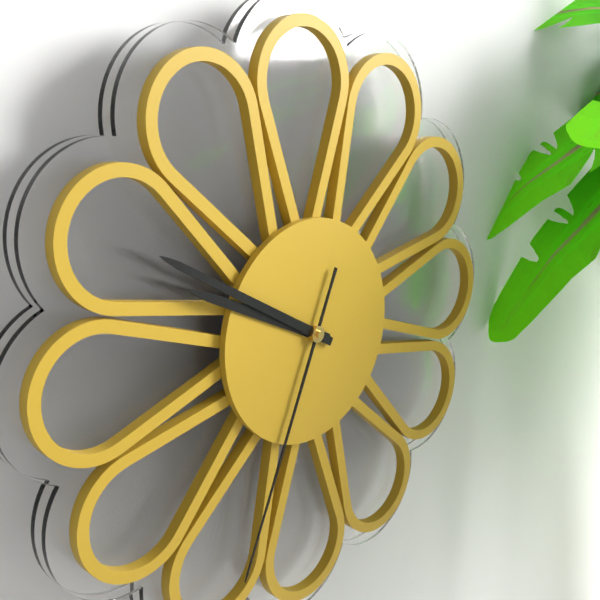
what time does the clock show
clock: 9:50:34
